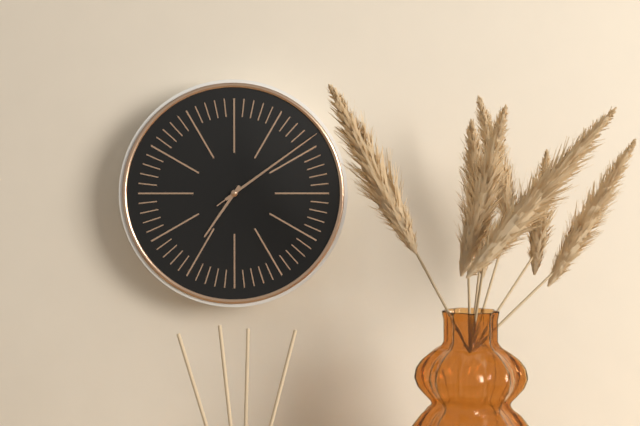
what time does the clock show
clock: 7:09:09
